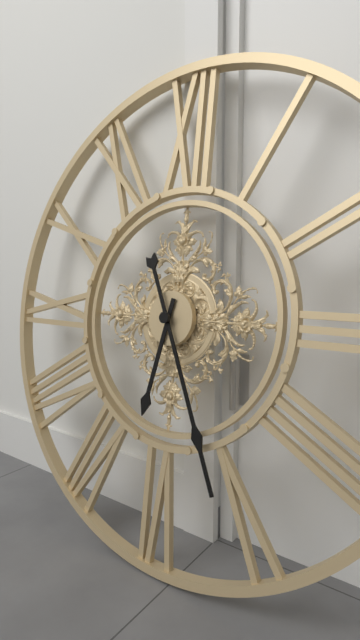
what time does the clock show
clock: 6:26
